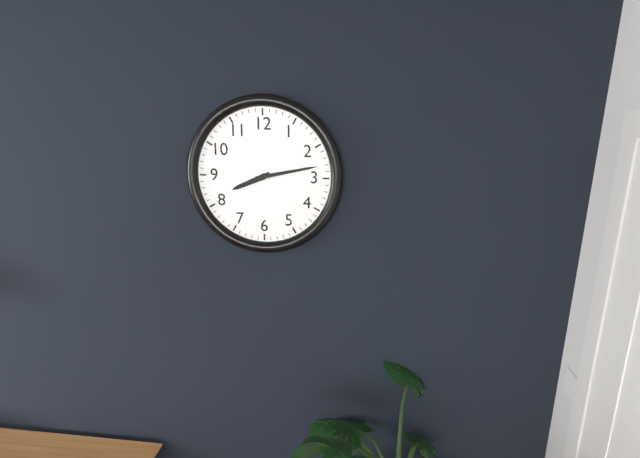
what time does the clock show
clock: 8:13
